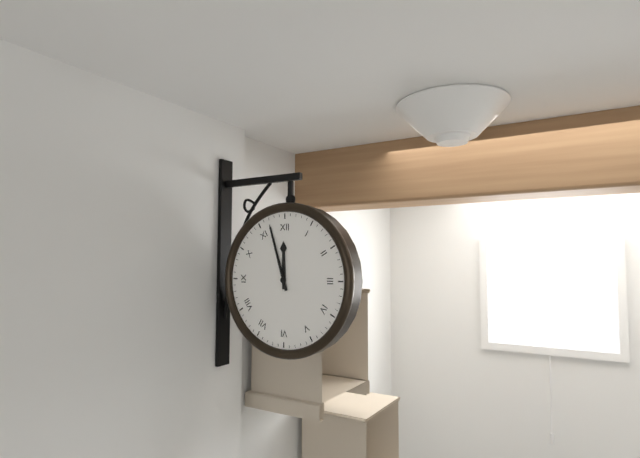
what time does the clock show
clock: 11:57
